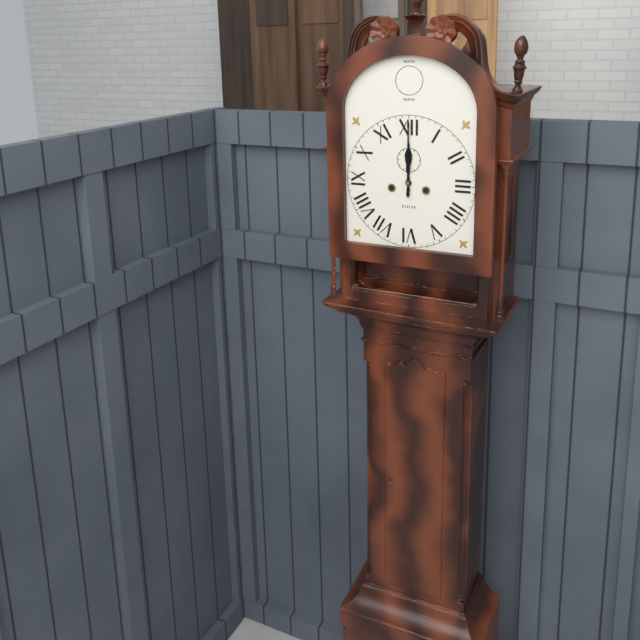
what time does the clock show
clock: 12:00
